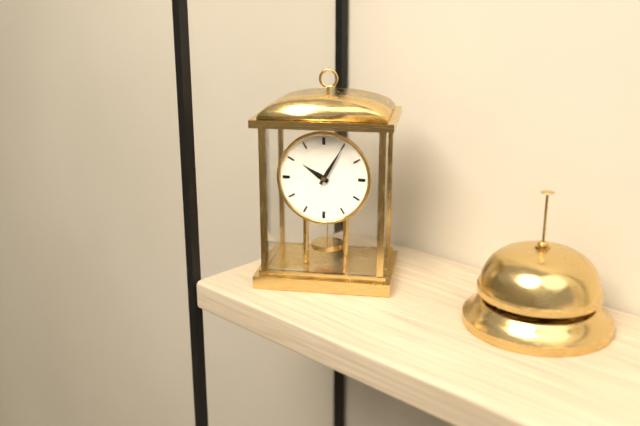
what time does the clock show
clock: 10:05
